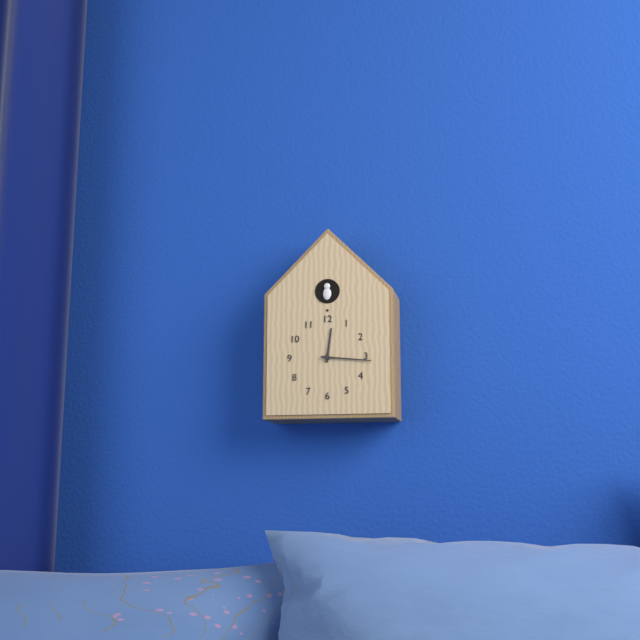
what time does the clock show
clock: 12:16
